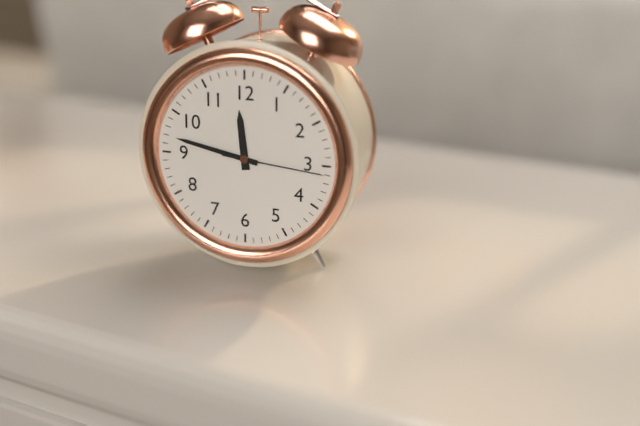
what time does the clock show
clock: 11:47:16
